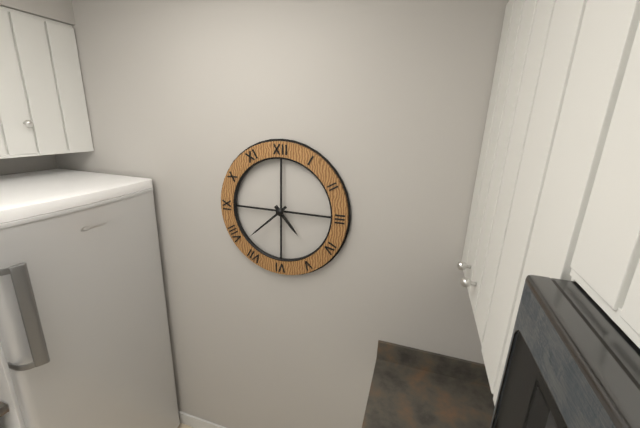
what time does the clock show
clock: 4:38
